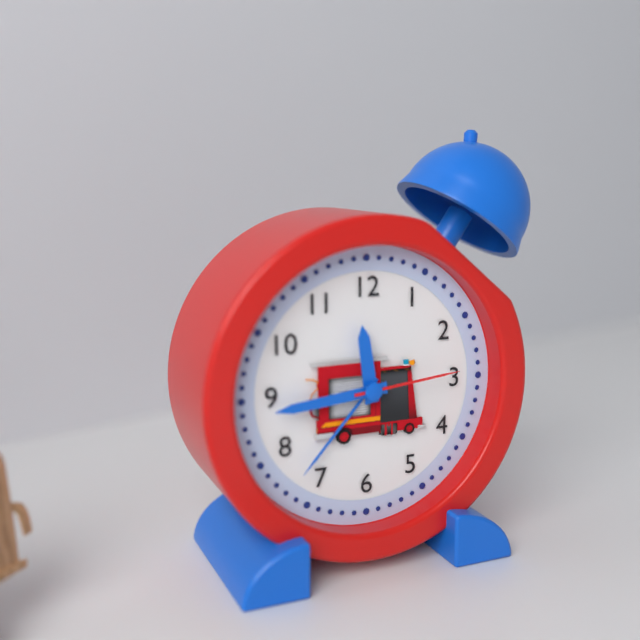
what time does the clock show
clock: 11:44:14
